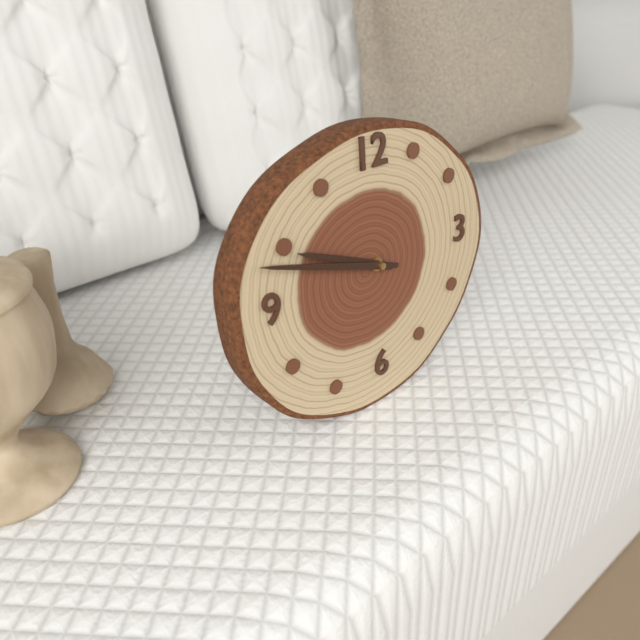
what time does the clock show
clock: 9:48
